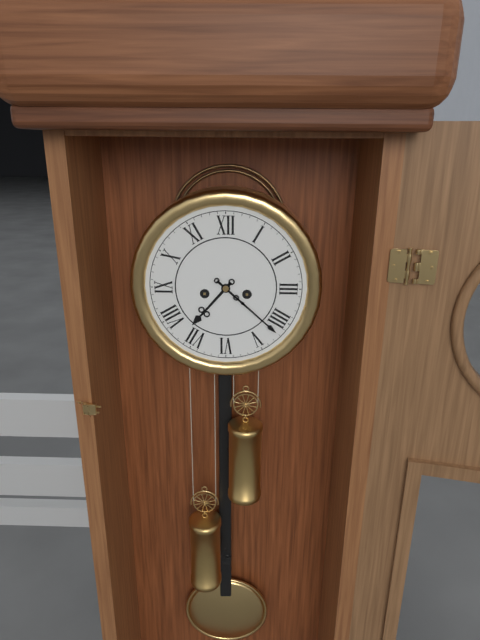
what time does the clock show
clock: 7:22
